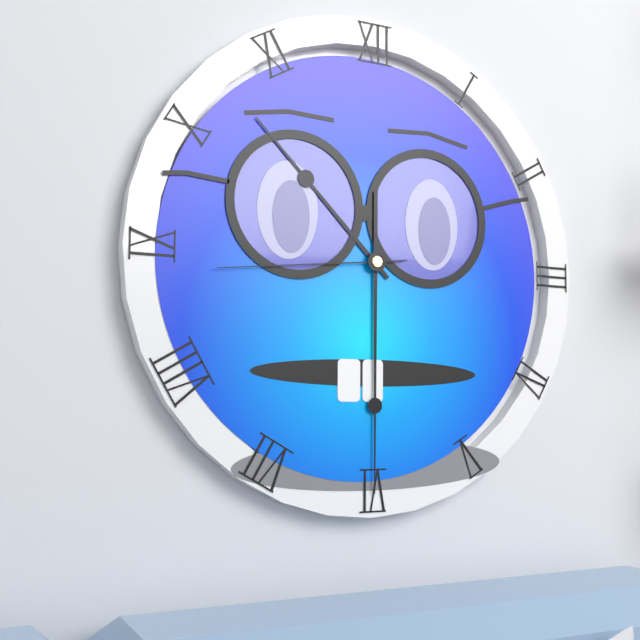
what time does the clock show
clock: 10:30:44
